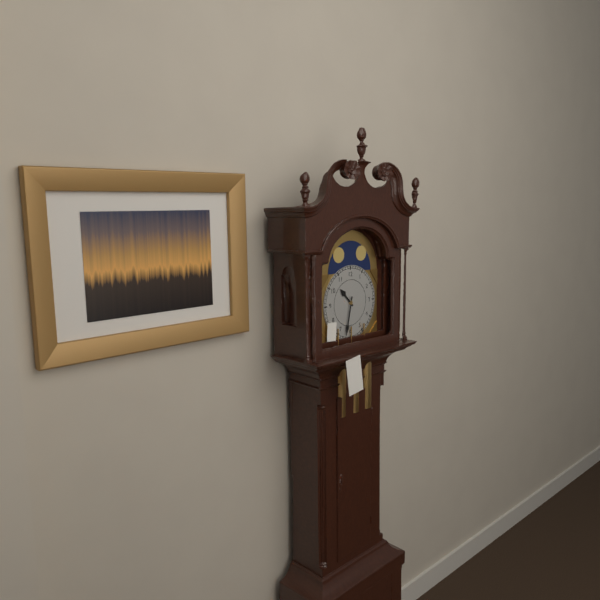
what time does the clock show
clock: 10:32
